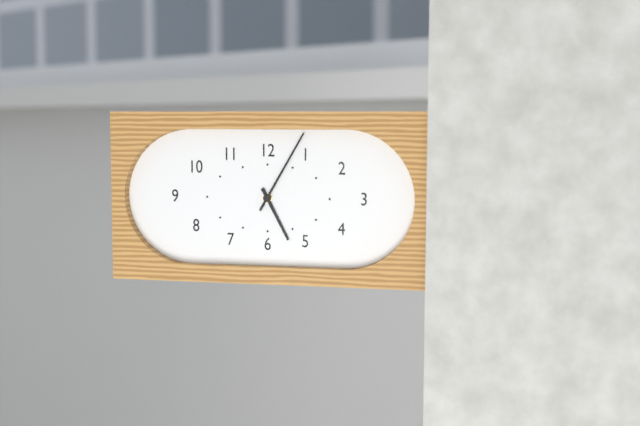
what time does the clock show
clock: 5:05
